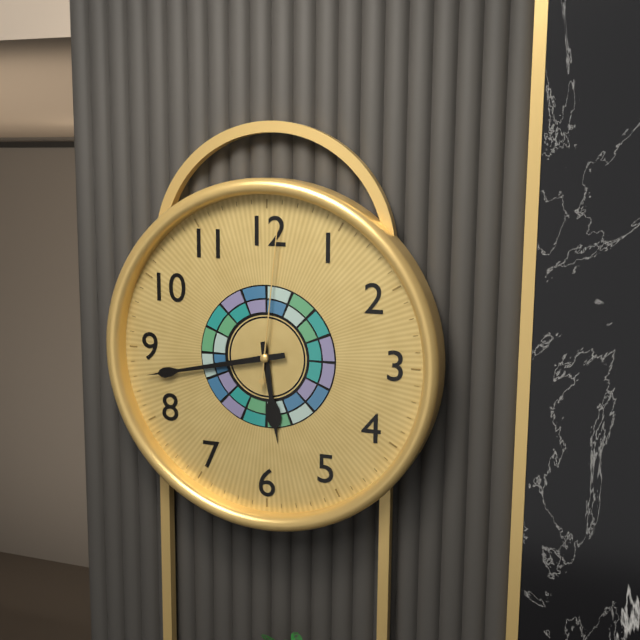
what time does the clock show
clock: 5:43:01
